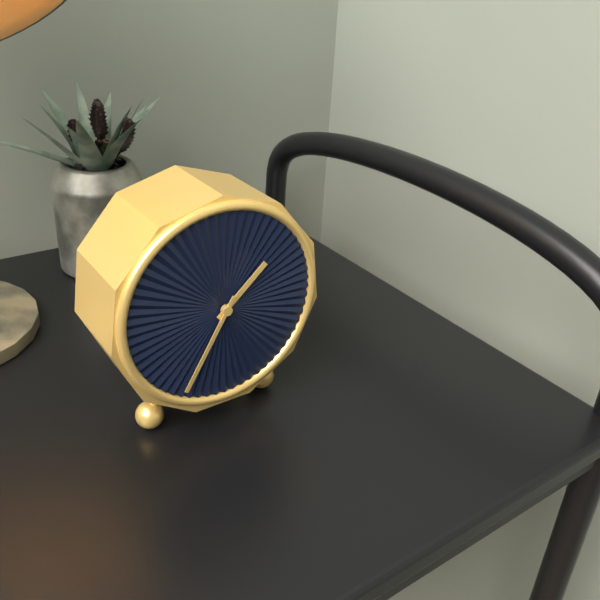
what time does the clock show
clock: 1:35
